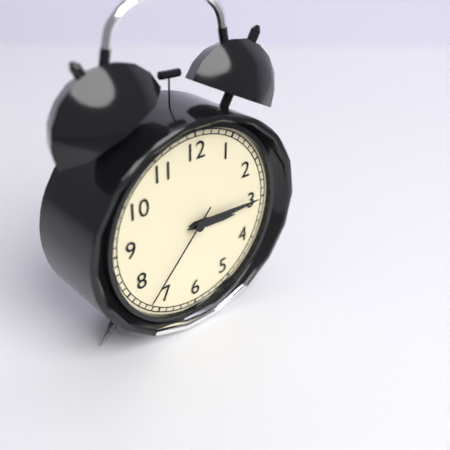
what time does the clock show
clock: 3:15:37
